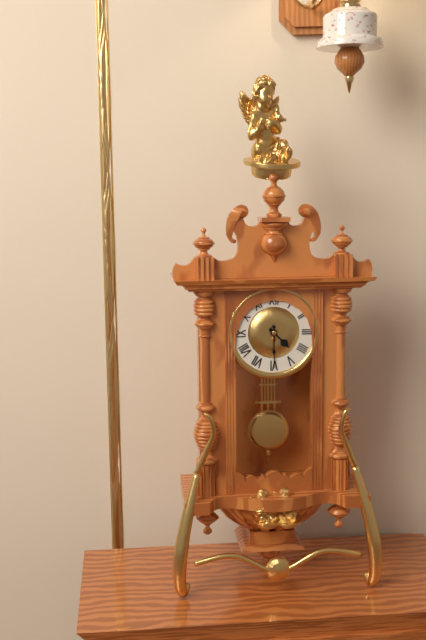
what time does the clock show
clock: 4:30
